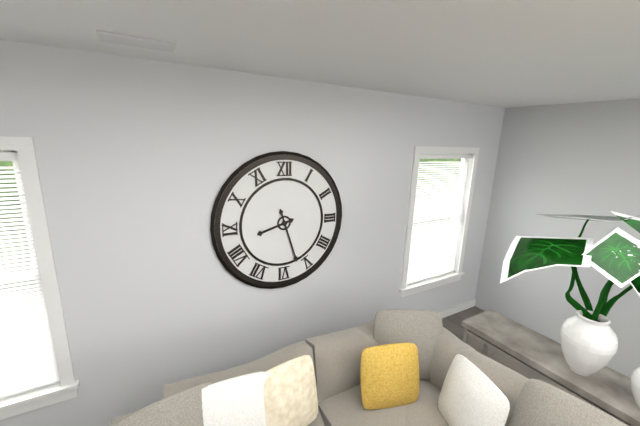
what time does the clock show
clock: 8:27
